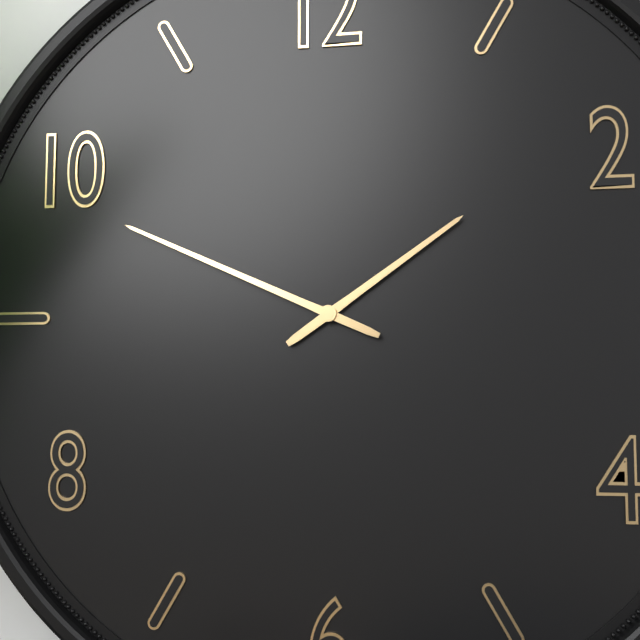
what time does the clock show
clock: 1:49
